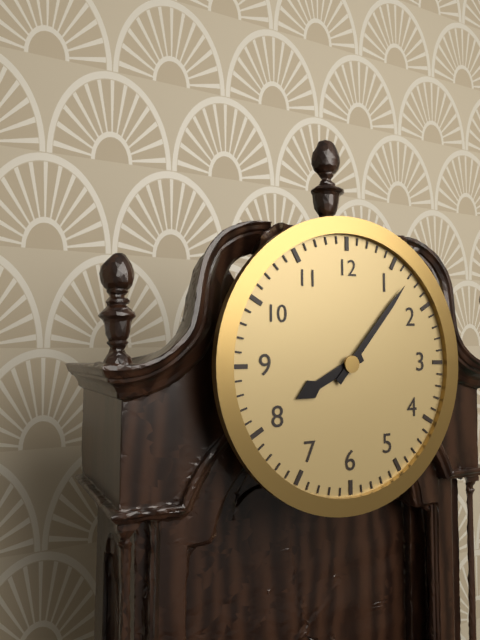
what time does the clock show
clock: 8:07
